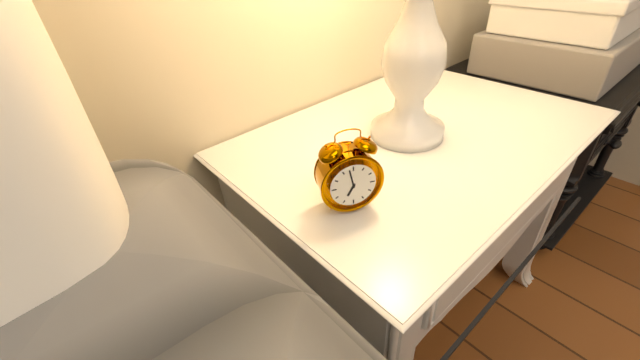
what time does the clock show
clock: 6:58
